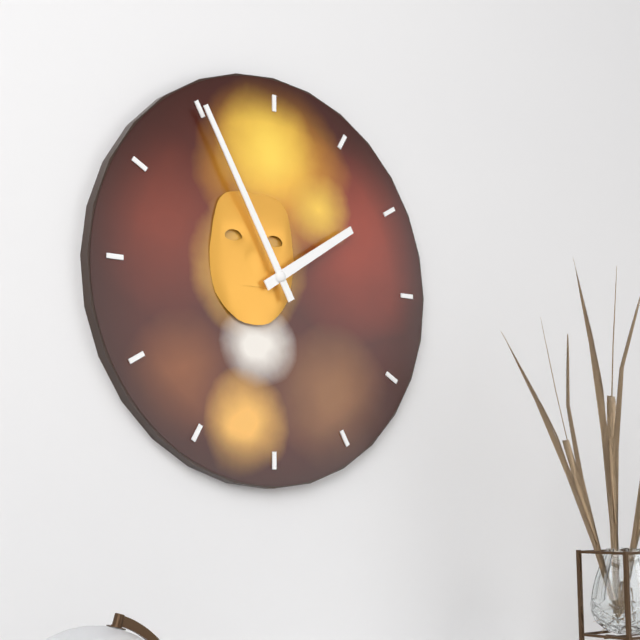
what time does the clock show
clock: 1:55
